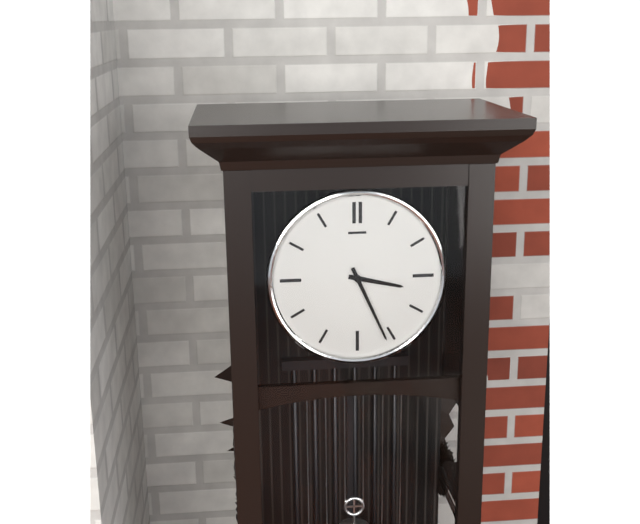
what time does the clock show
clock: 3:26
